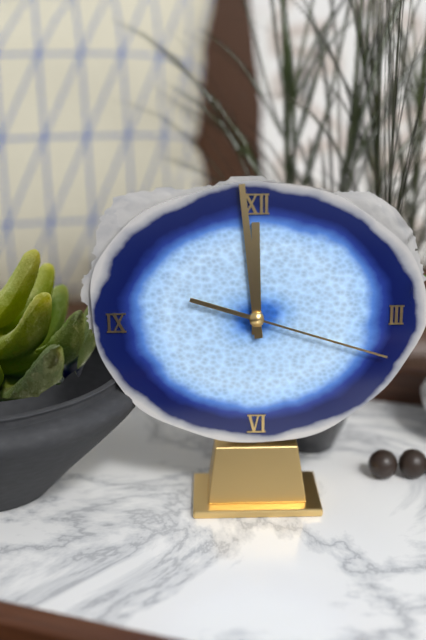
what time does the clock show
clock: 11:59:18
